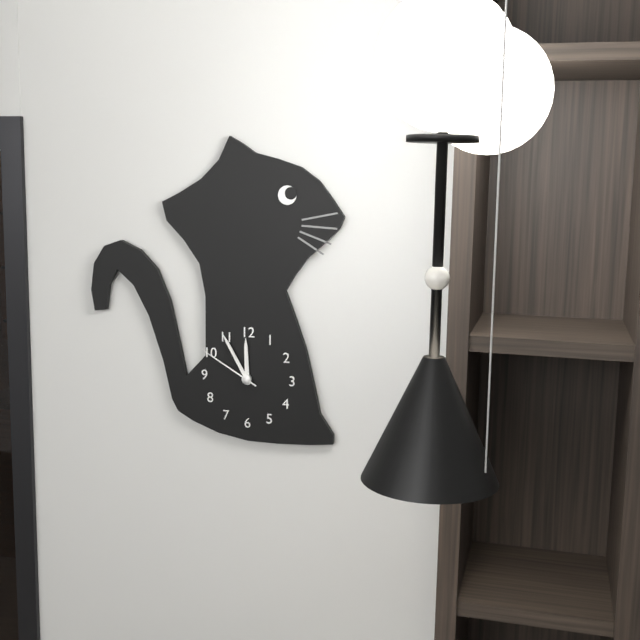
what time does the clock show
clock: 11:55:50
